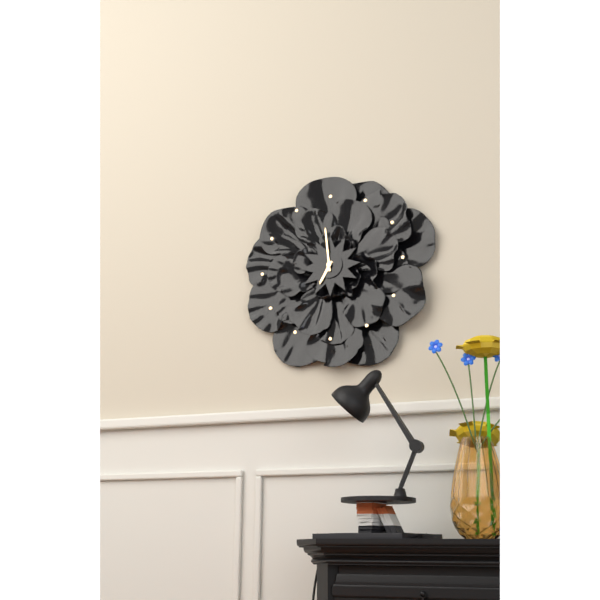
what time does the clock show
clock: 6:59
